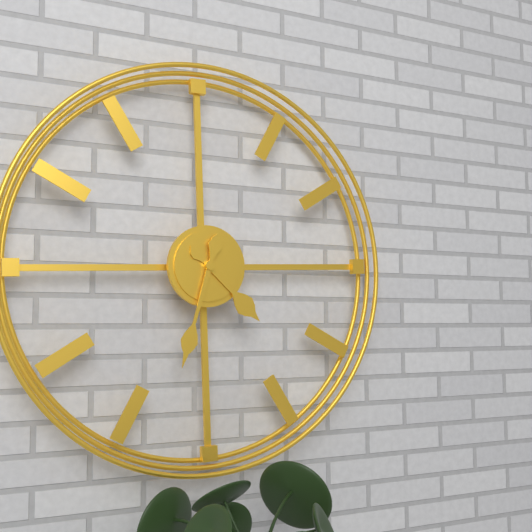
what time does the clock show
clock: 4:33
